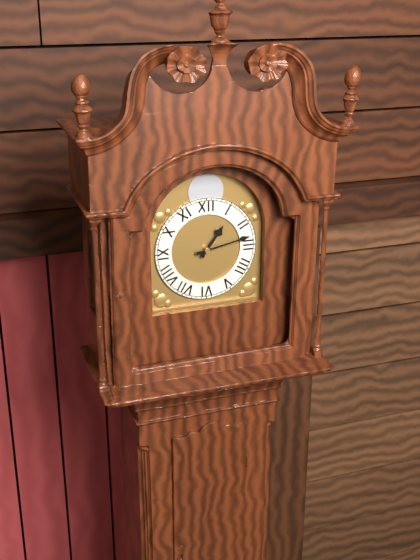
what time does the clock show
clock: 1:13
